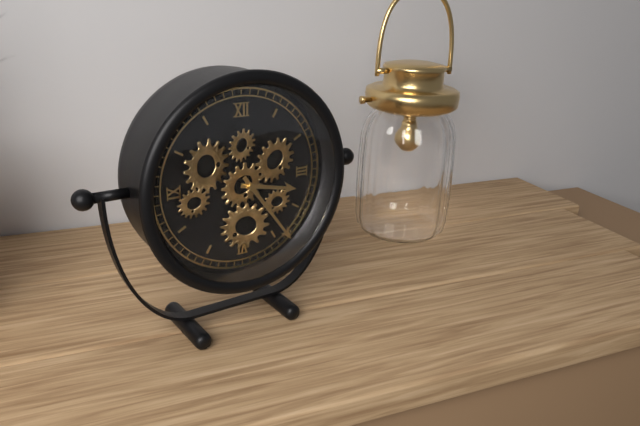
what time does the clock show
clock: 3:24
